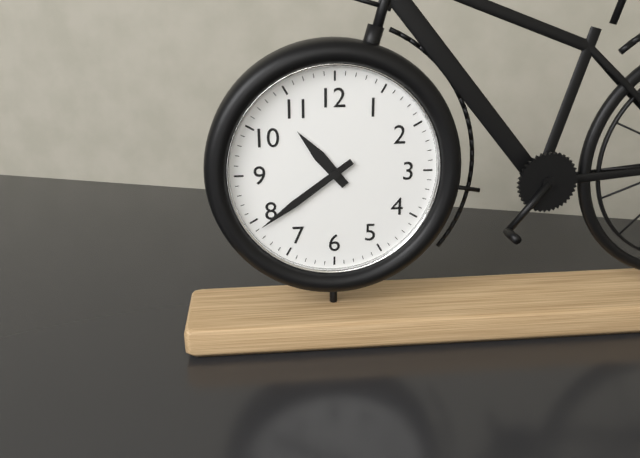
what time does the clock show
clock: 10:39
